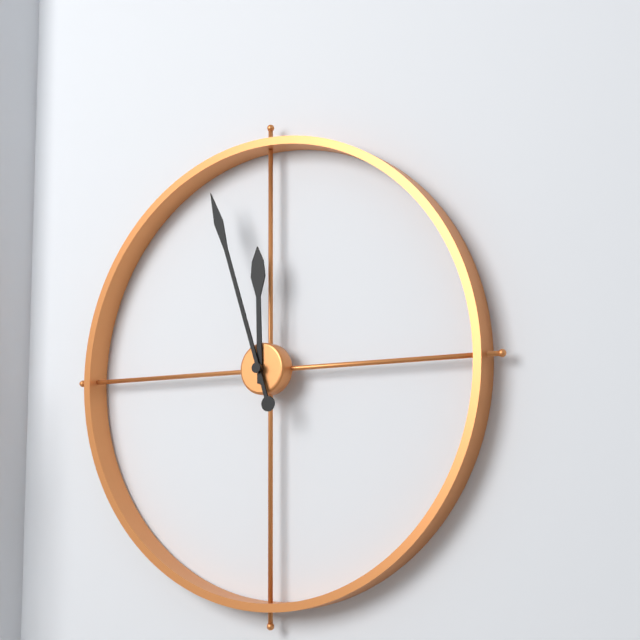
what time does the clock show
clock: 11:57
